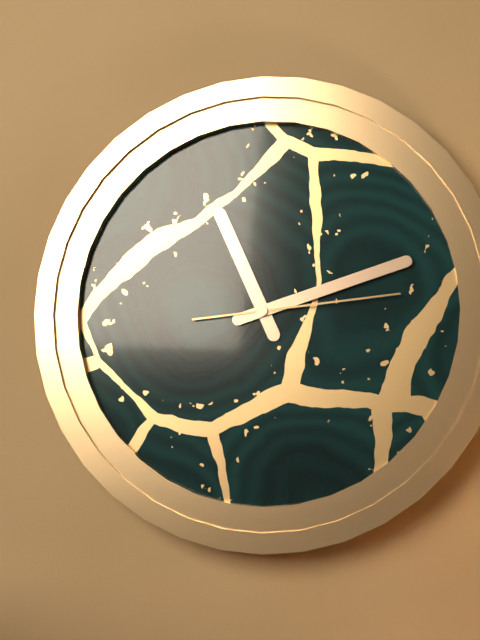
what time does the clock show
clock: 11:12:14
